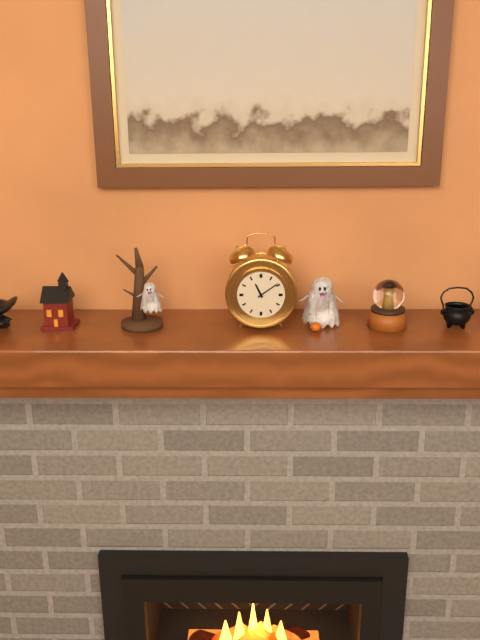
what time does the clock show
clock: 11:09
